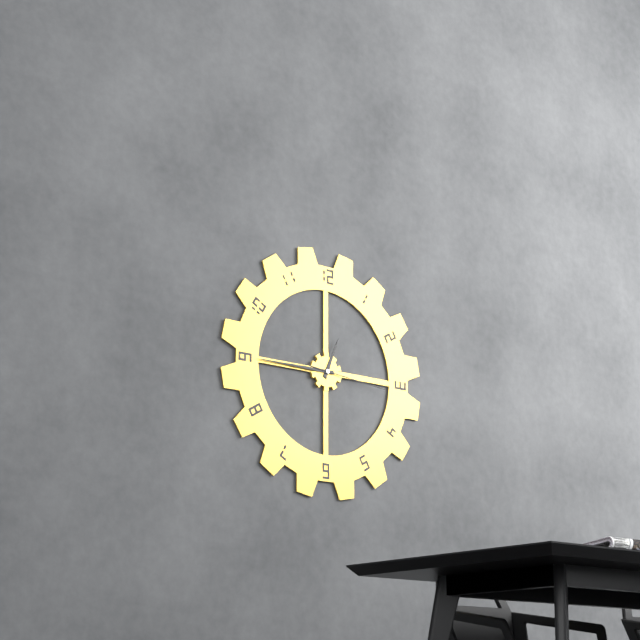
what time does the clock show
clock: 12:45:16
